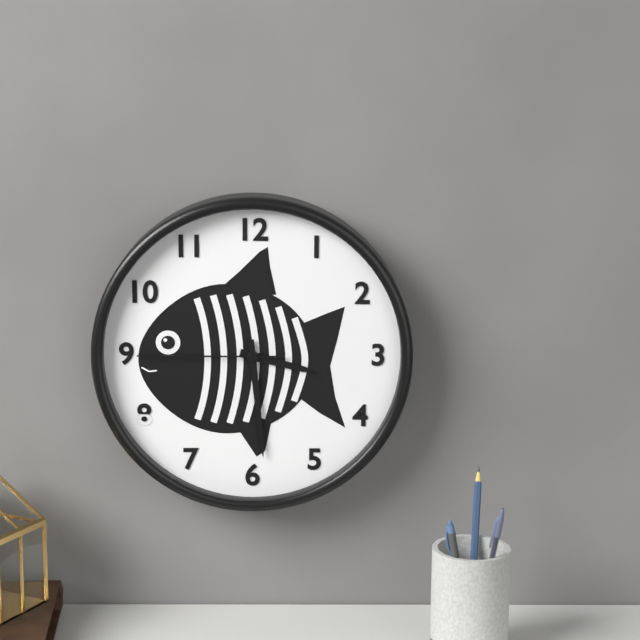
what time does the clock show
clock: 3:29:45
